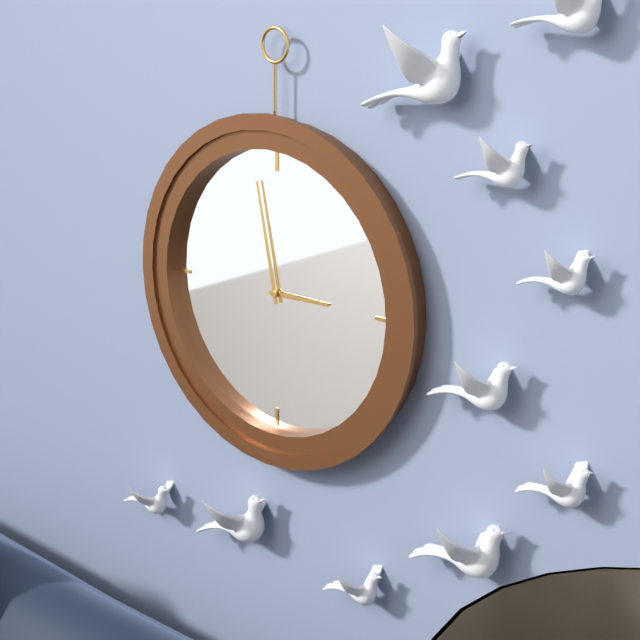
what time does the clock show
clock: 2:58
